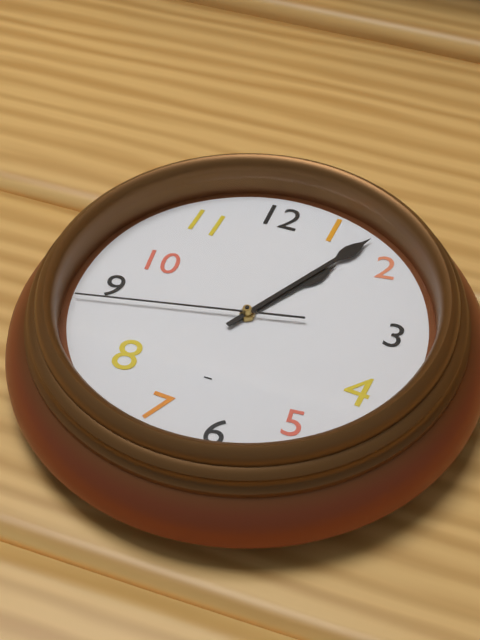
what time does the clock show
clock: 1:05:43
